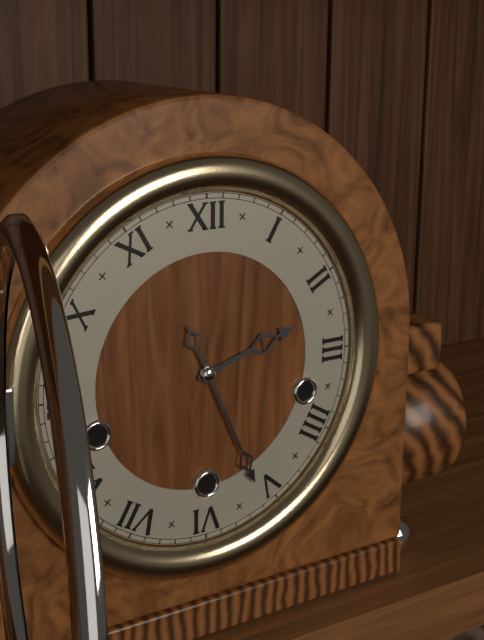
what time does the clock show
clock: 2:26
